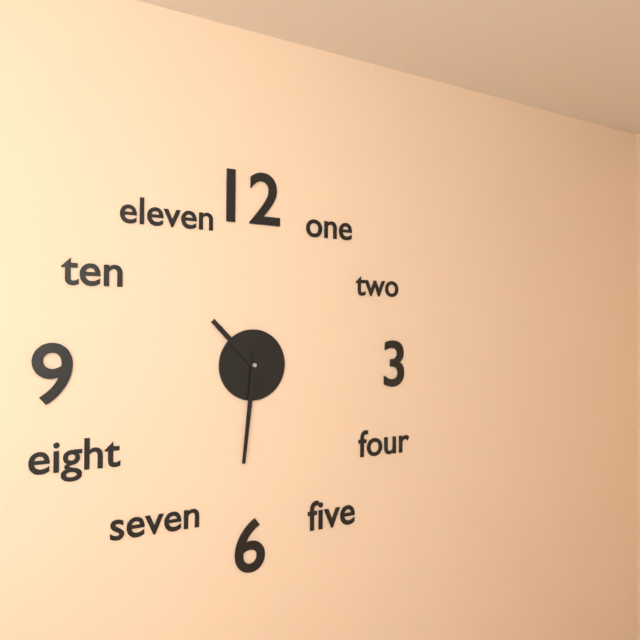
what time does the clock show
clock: 10:31
